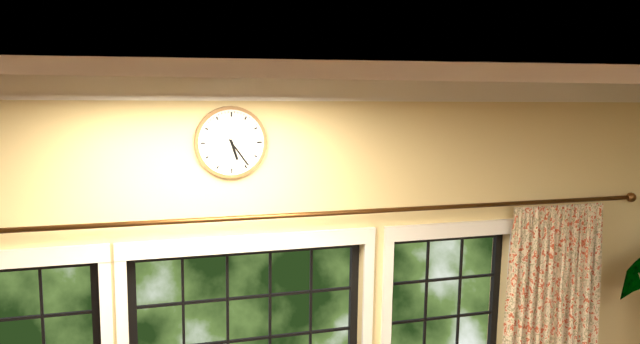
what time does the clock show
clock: 5:24
